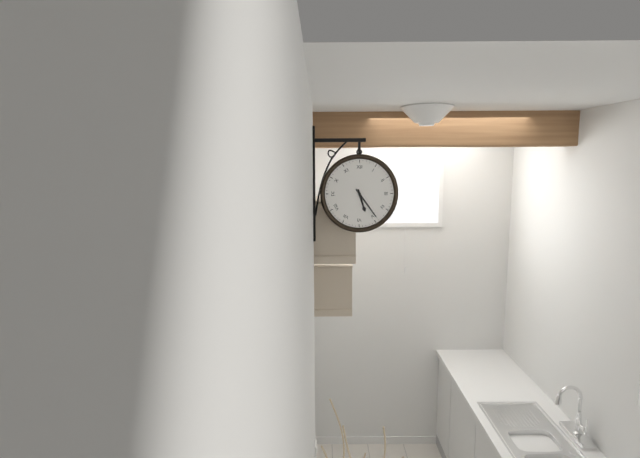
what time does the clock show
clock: 5:24
